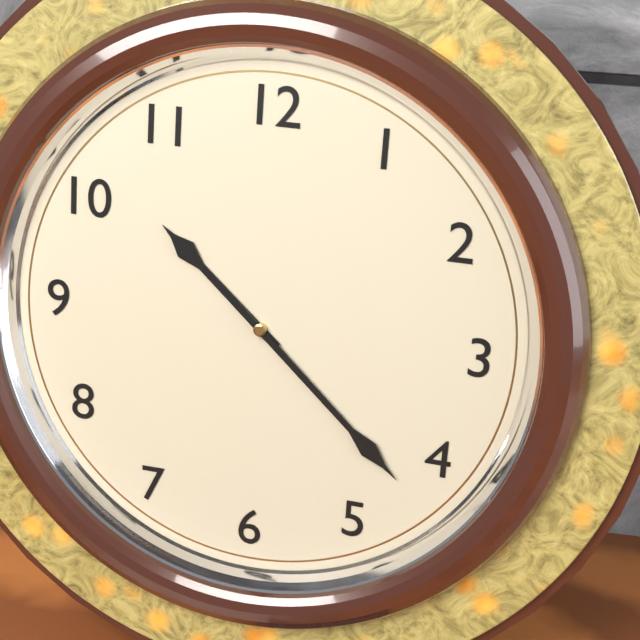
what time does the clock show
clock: 10:22
